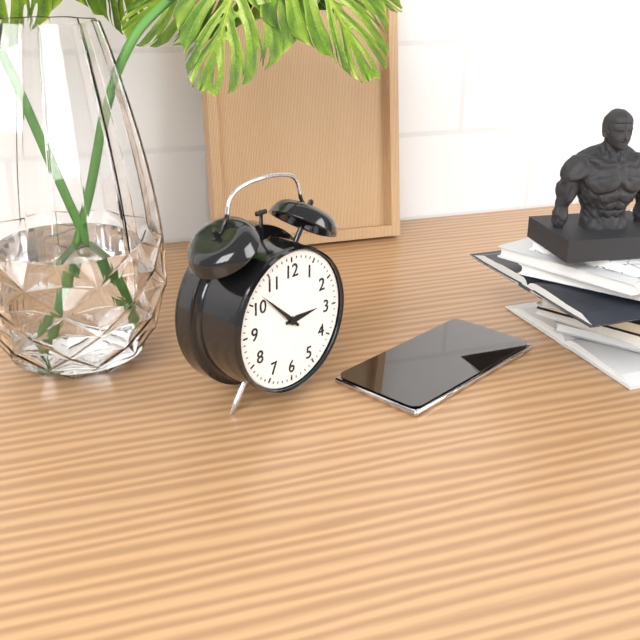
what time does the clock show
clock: 2:52
